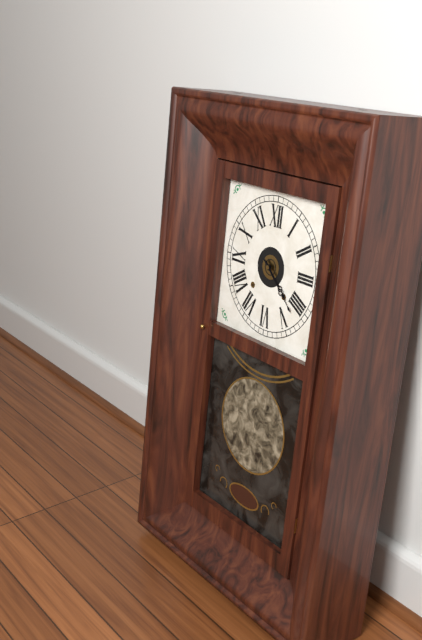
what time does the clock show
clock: 4:22
